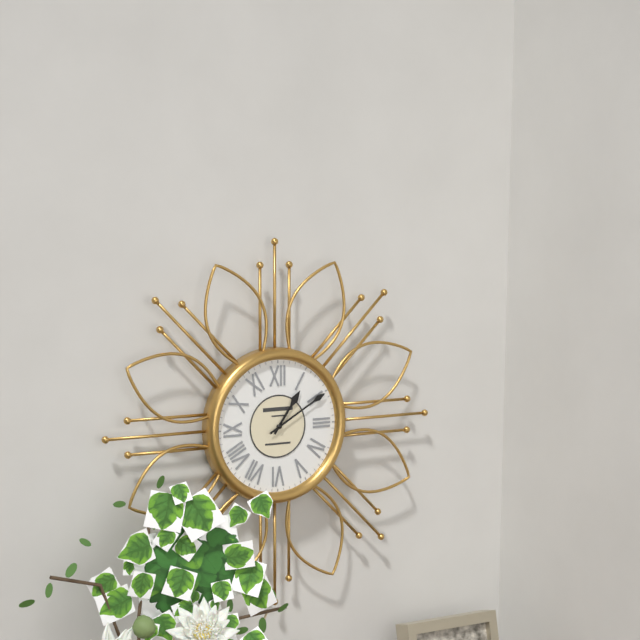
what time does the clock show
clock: 1:10
